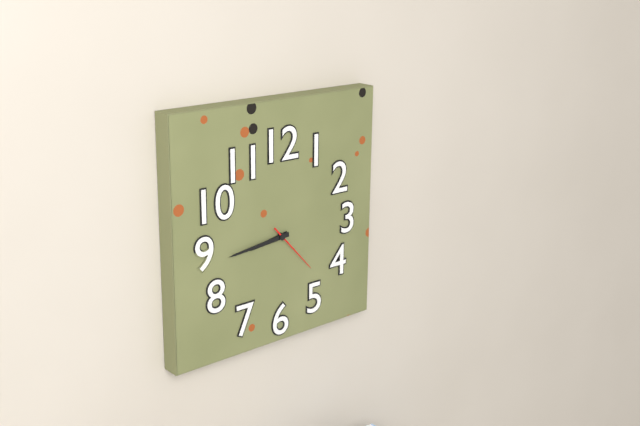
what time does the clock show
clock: 8:44:23
